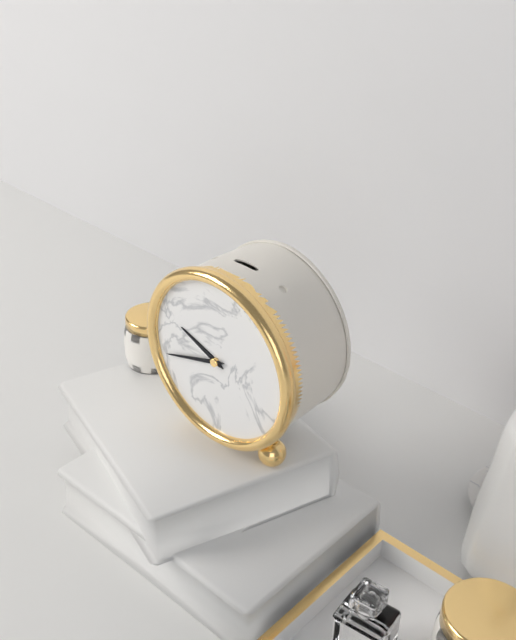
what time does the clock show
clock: 9:42
